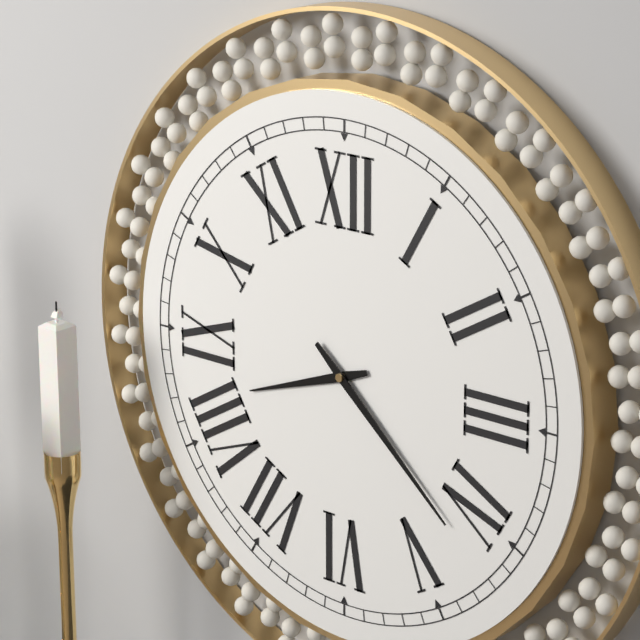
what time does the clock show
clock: 8:22
